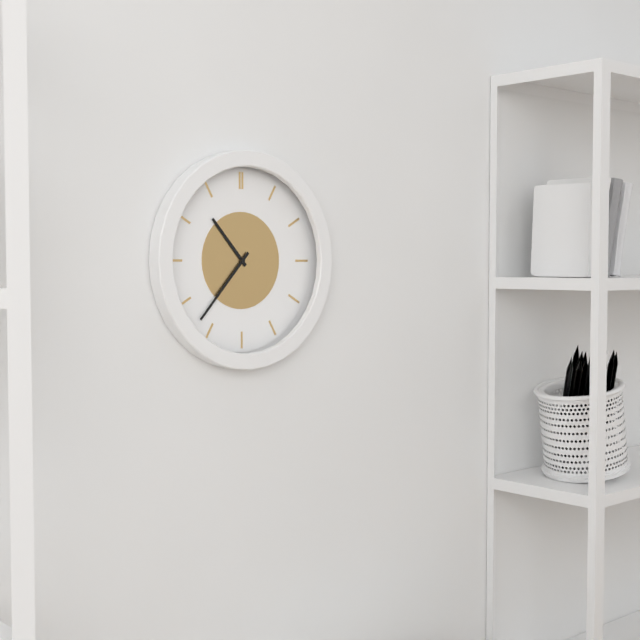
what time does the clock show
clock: 10:37
